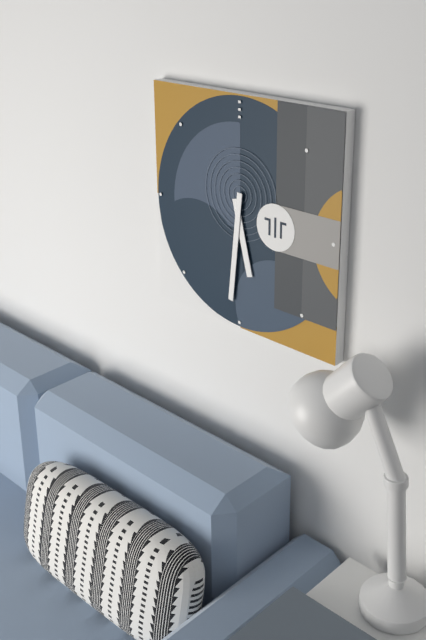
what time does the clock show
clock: 5:31
